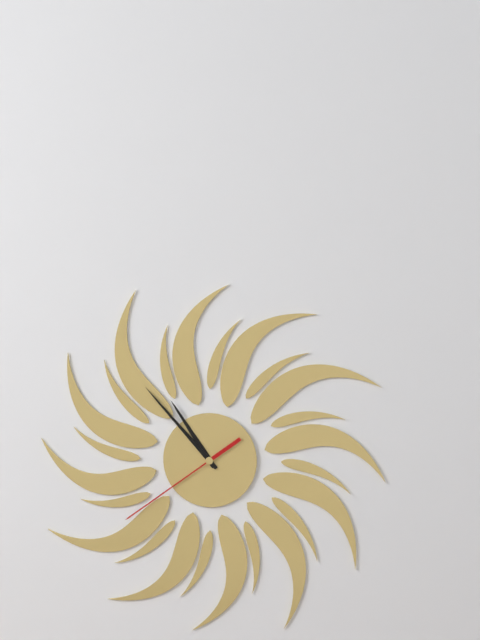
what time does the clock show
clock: 10:53:39
